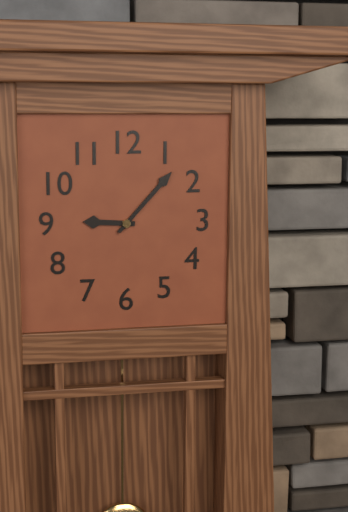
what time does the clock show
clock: 9:07
